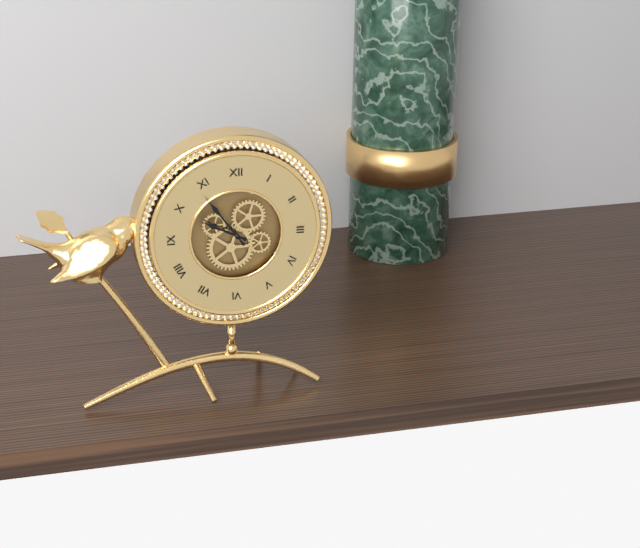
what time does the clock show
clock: 9:54
